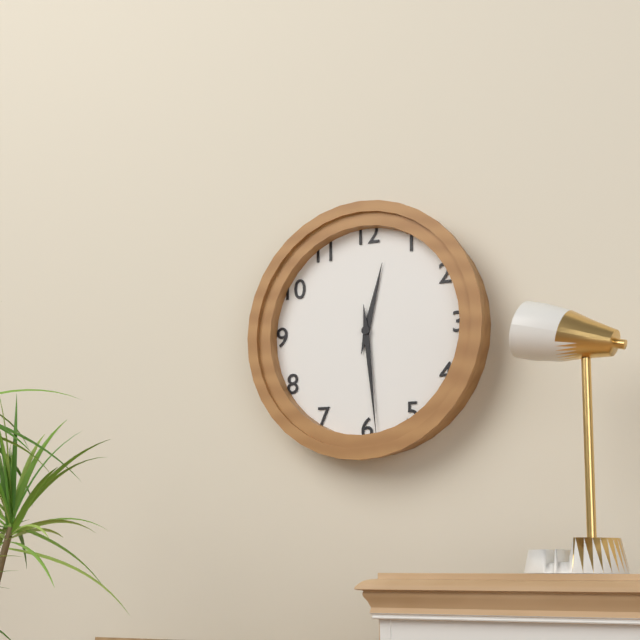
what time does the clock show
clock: 12:29
